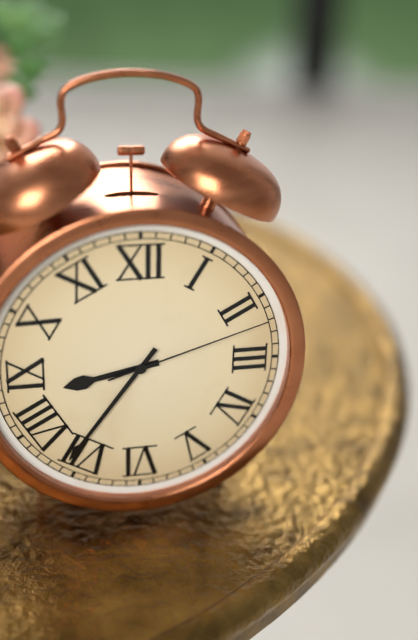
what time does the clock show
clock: 8:36:12
